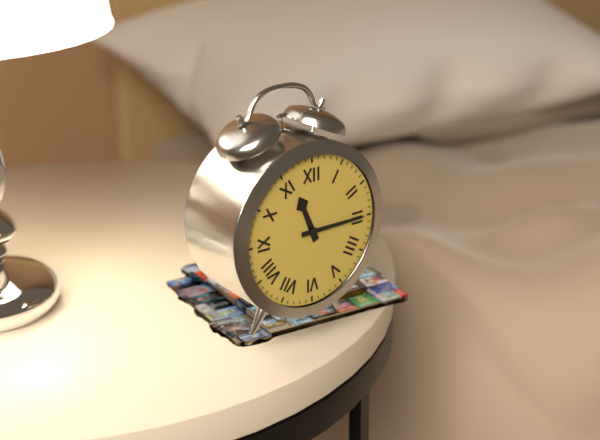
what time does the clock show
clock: 11:15
